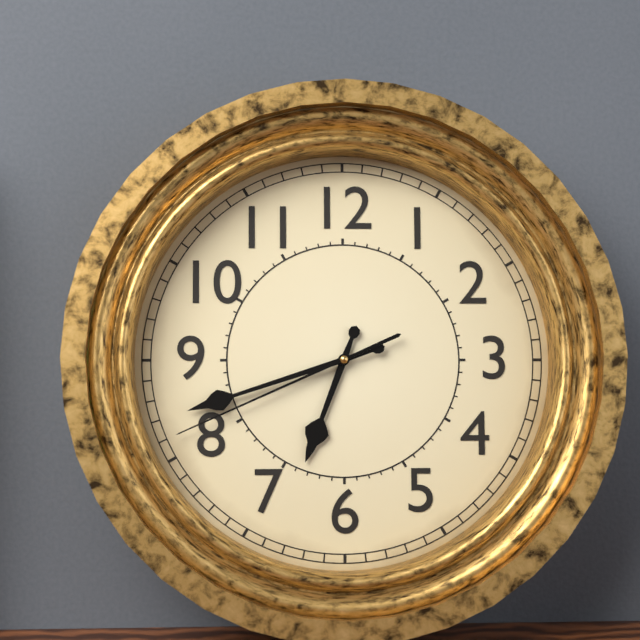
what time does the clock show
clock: 6:42:41
